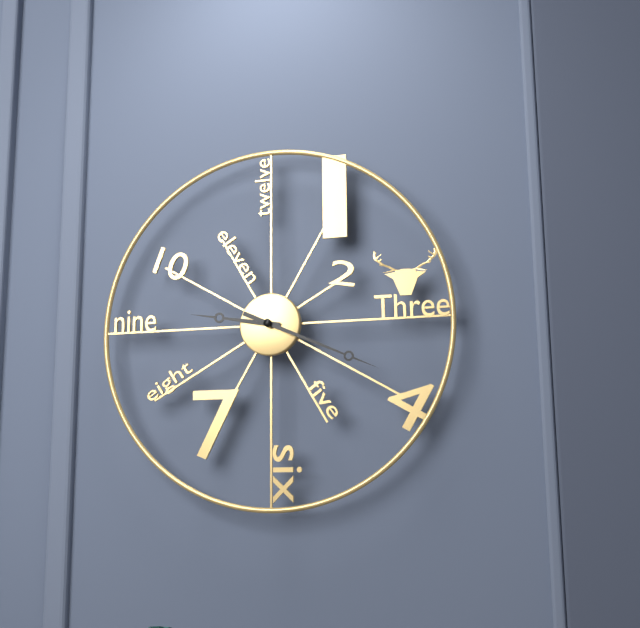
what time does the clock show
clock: 9:19
